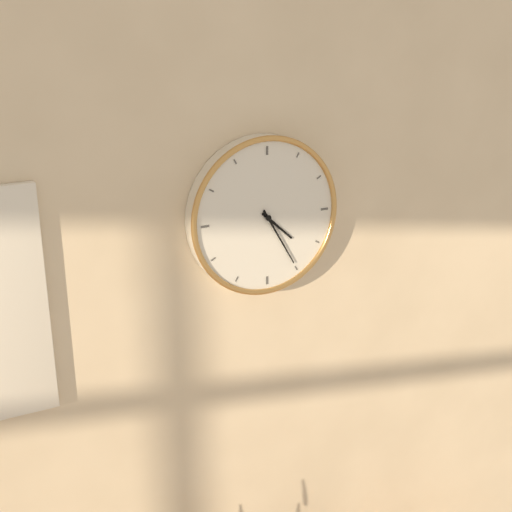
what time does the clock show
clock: 4:25
